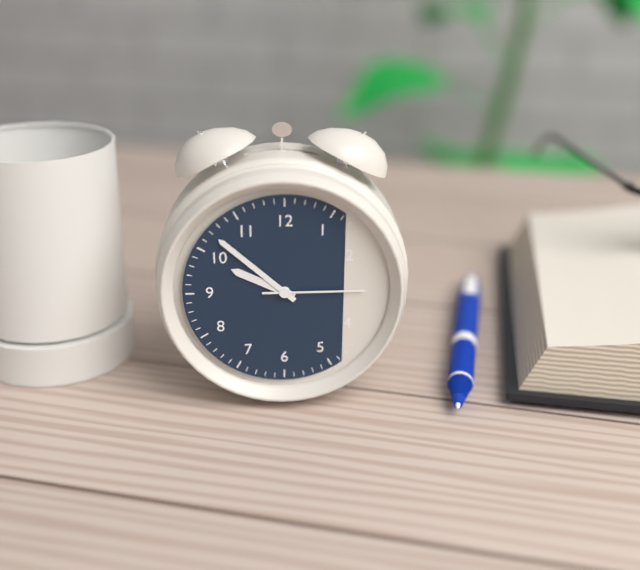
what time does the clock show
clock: 9:52:15
